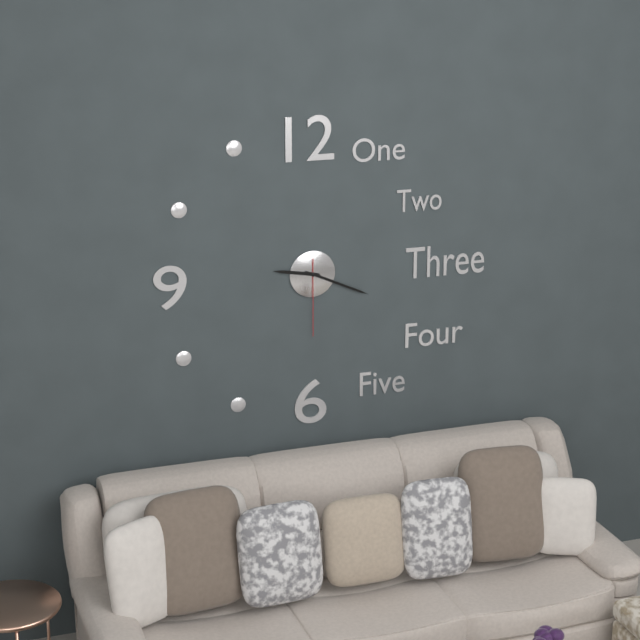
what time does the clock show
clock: 9:19:30
